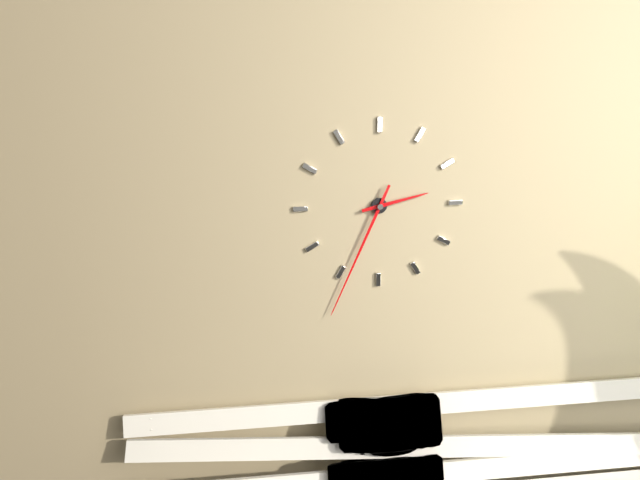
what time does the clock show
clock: 2:34
